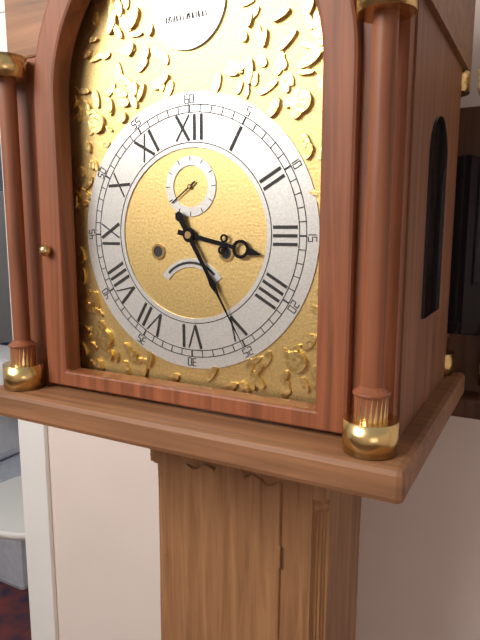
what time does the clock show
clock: 3:25
